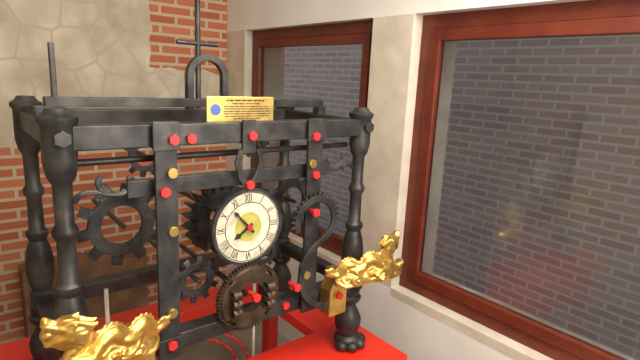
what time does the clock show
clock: 7:53
